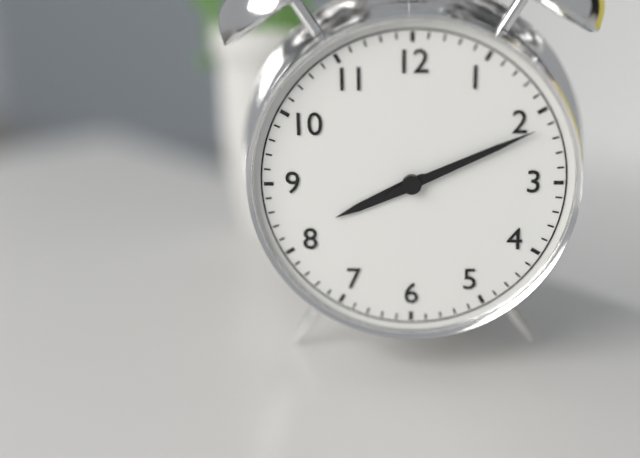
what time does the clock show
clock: 8:11
